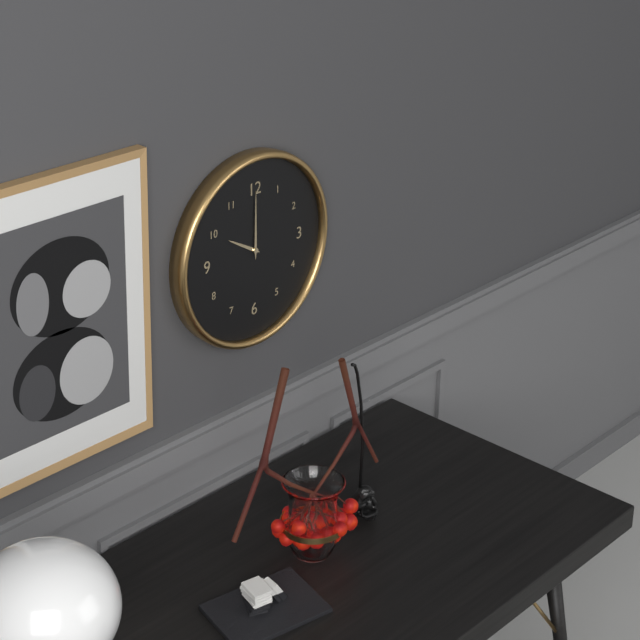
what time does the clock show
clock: 10:00
